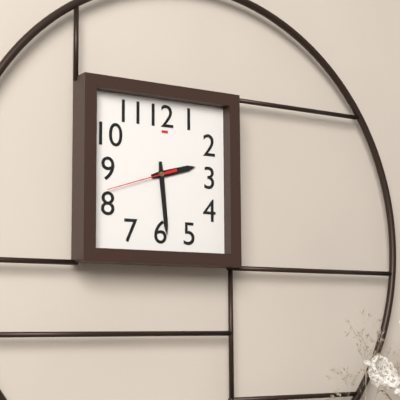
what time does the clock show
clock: 2:29:42
